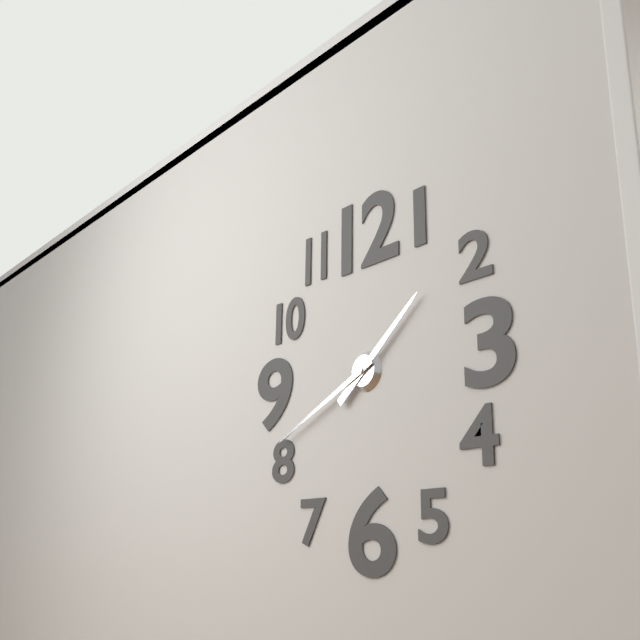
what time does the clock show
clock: 1:41
